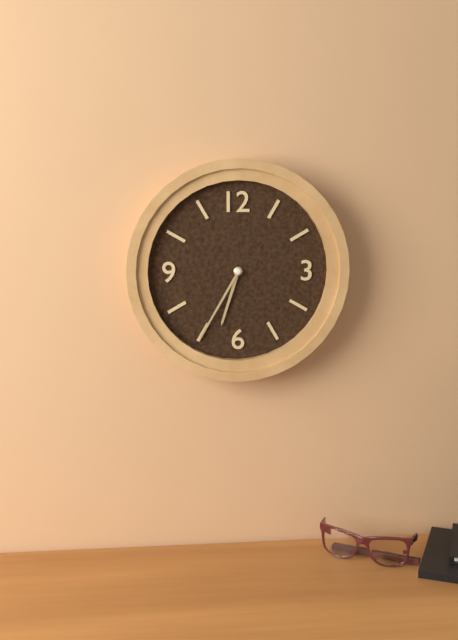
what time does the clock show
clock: 6:35
